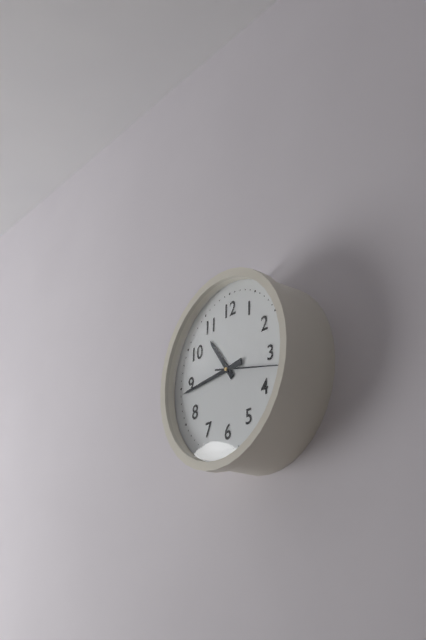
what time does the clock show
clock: 10:44
